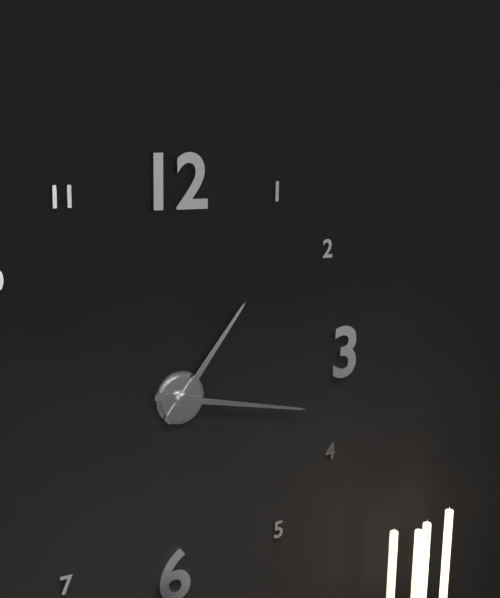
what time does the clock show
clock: 1:17
